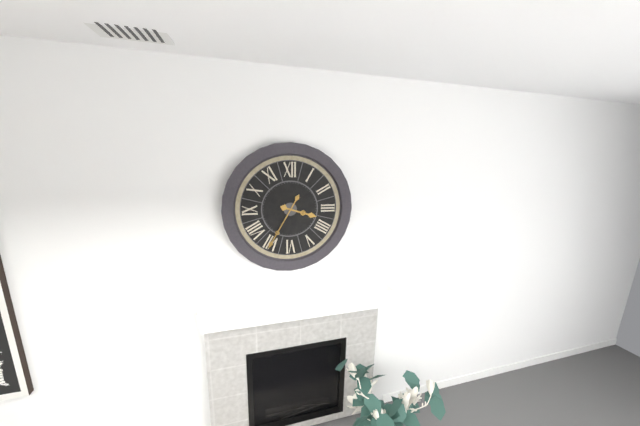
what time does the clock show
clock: 3:35
